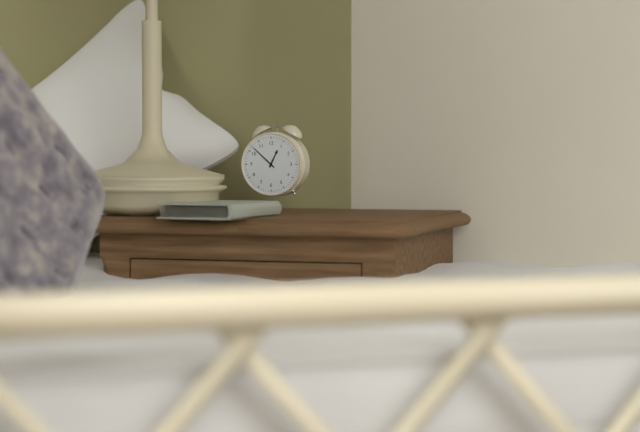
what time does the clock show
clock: 12:52
